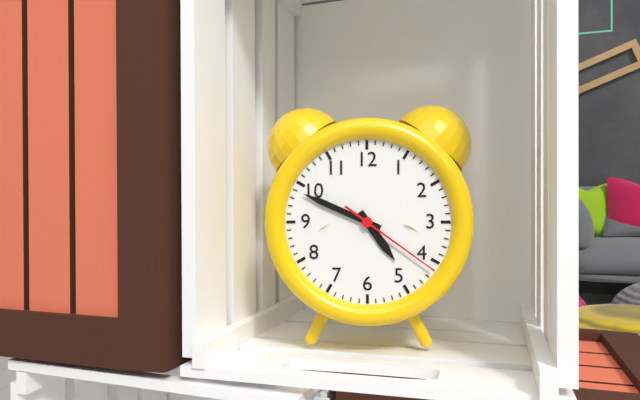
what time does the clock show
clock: 4:49:21
